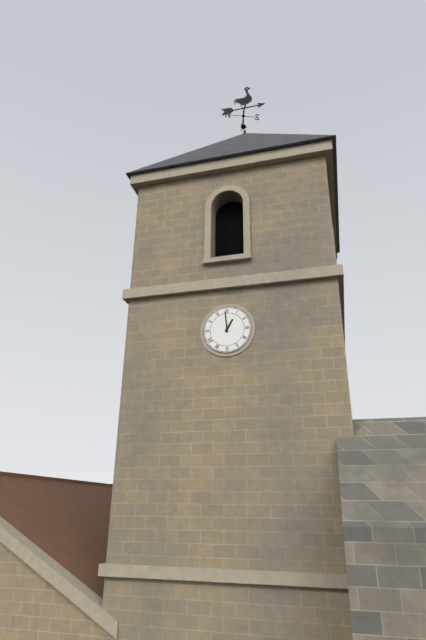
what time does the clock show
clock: 12:59
